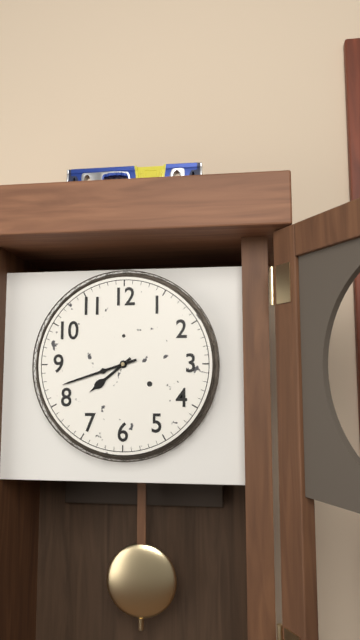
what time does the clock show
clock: 7:42
